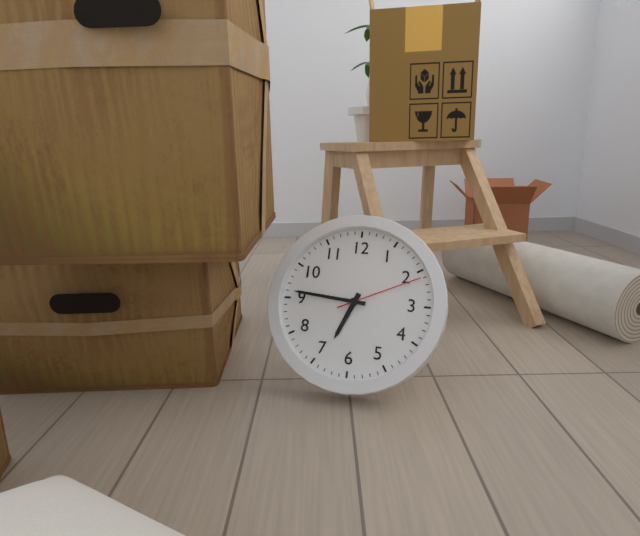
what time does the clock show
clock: 6:46:11
